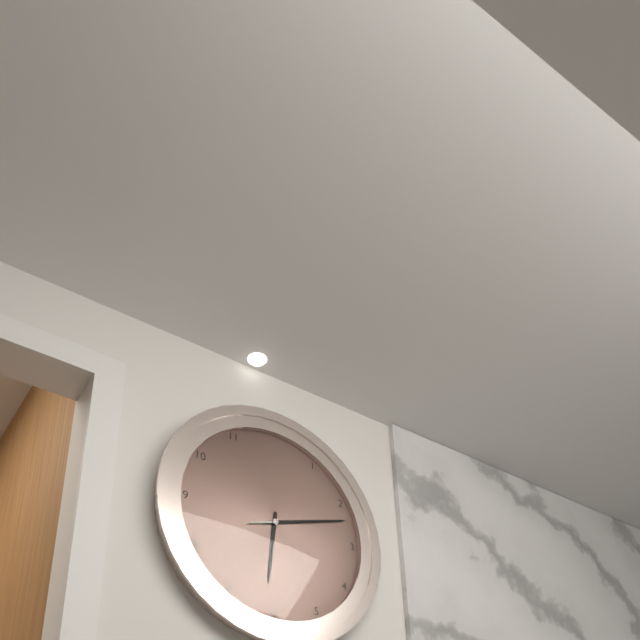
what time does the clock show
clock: 6:12:12
